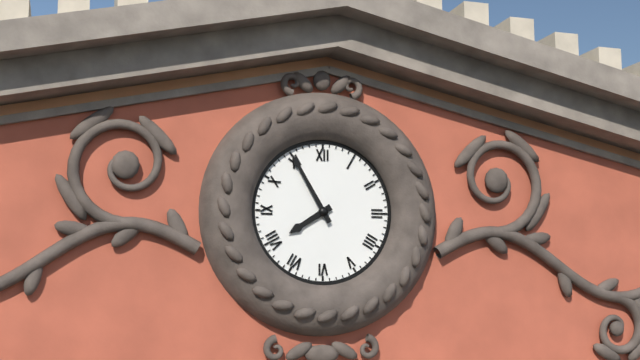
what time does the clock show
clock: 7:55
